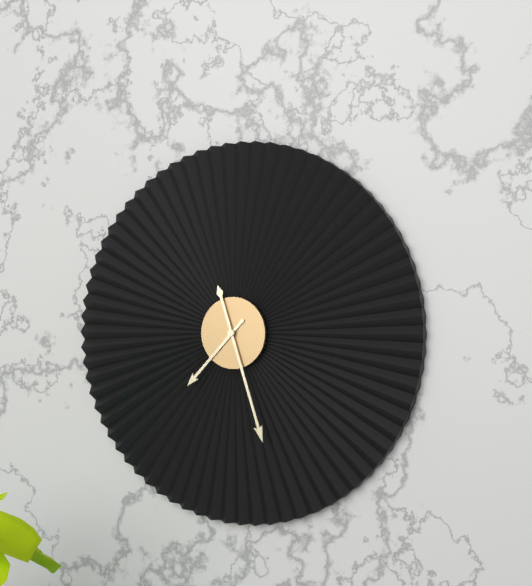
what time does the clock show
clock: 7:27
